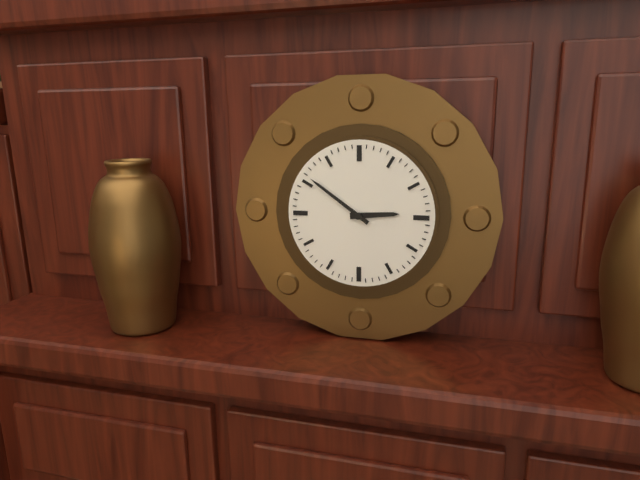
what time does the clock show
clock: 2:51
